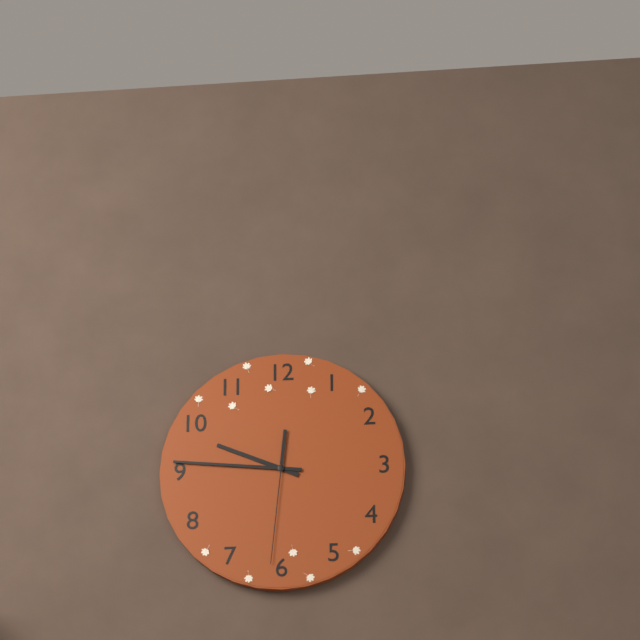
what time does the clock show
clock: 9:46:31
